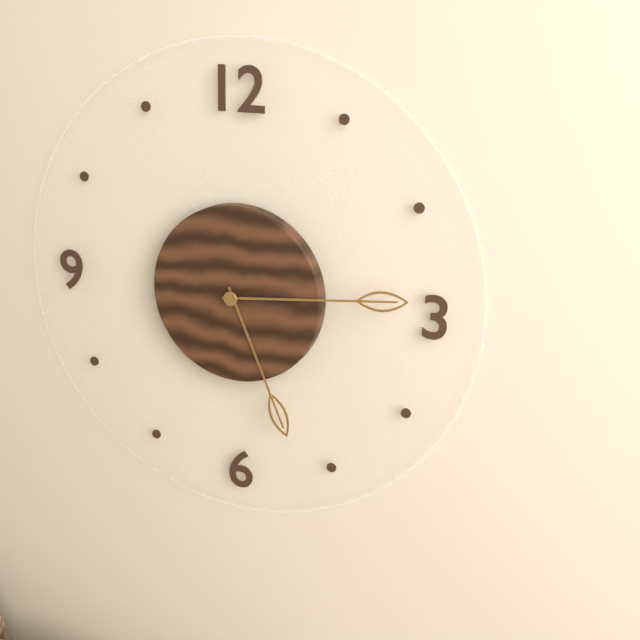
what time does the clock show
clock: 5:14
